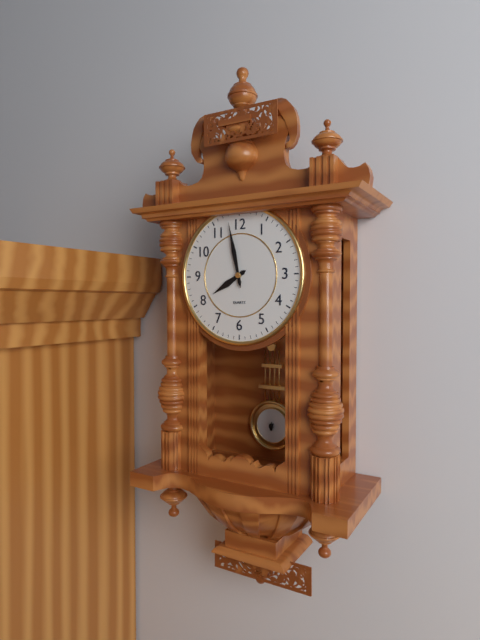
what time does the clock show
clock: 7:58
